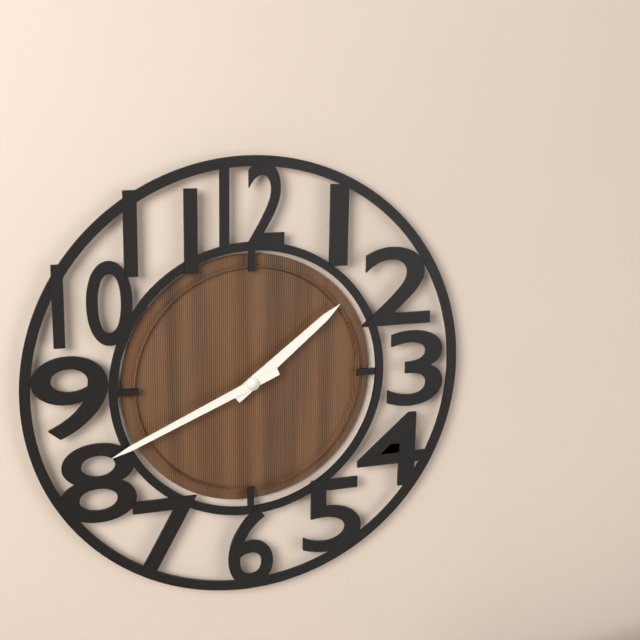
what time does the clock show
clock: 1:41
